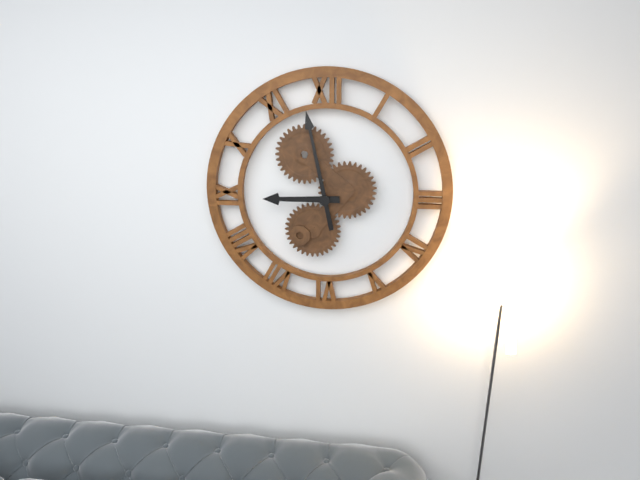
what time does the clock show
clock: 8:58
